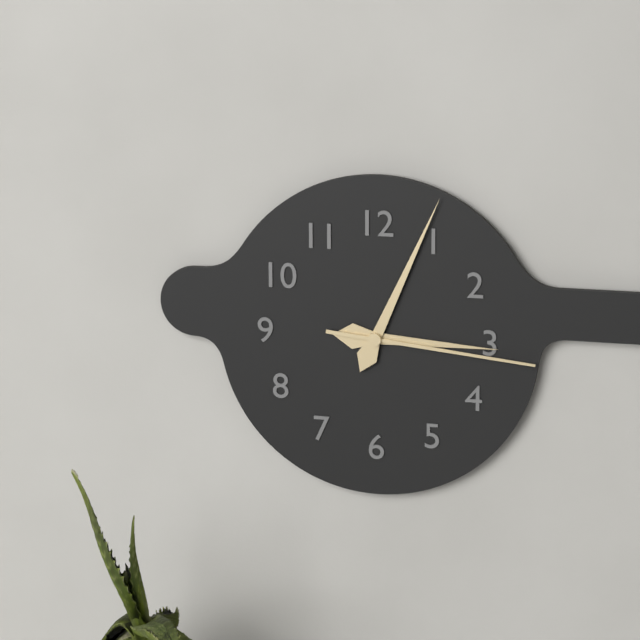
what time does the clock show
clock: 3:04:16
